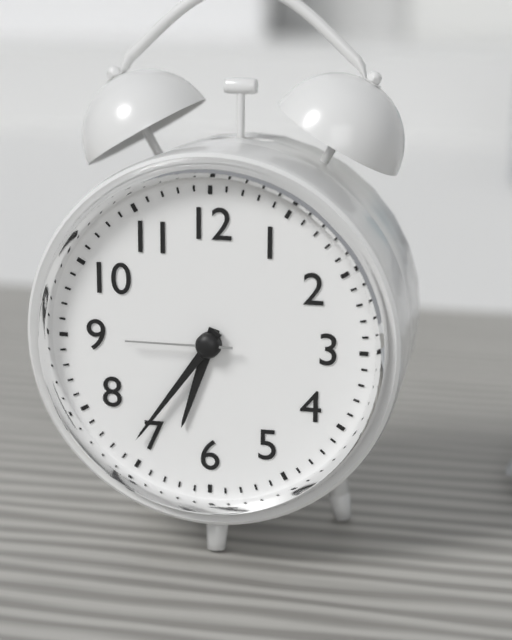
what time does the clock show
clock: 6:36:45
